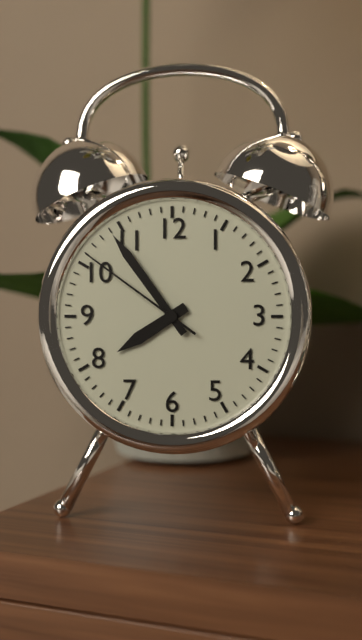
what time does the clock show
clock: 7:54:51
